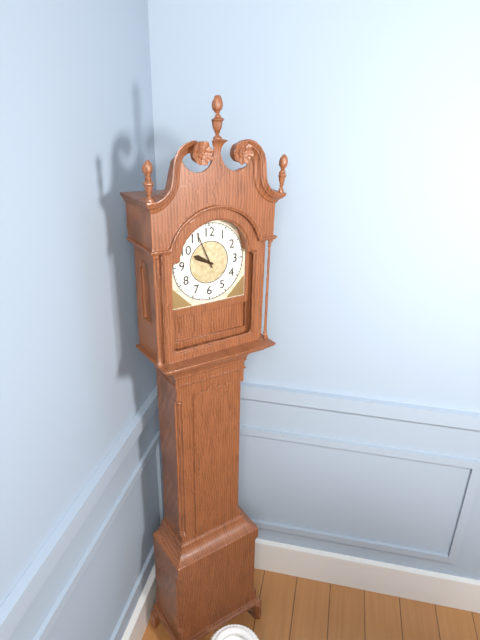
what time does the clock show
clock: 9:56
